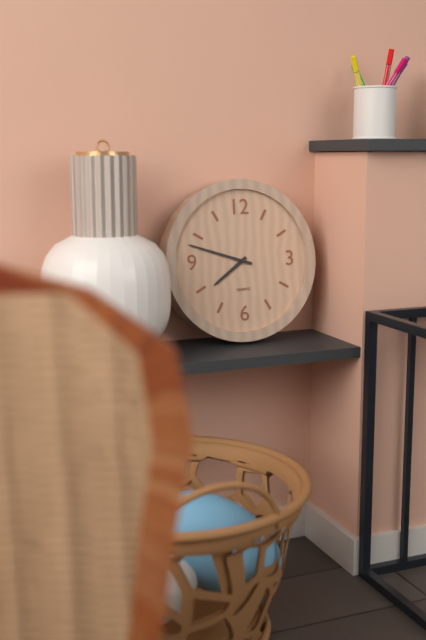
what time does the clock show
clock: 7:48
